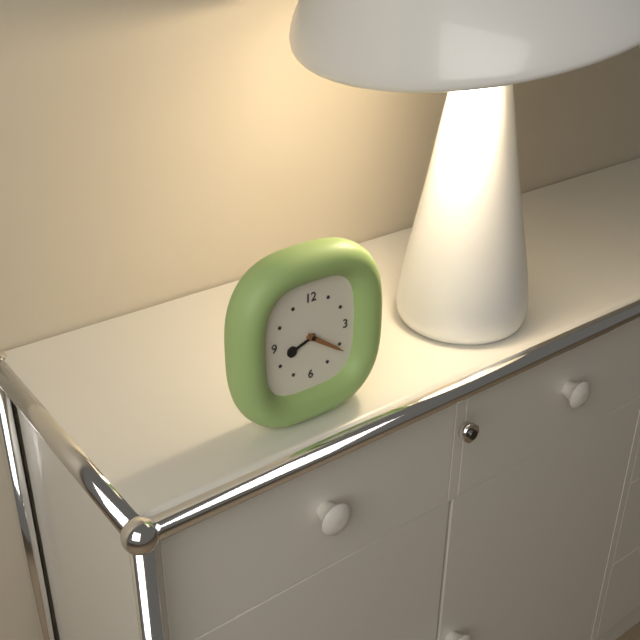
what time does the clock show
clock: 8:21
